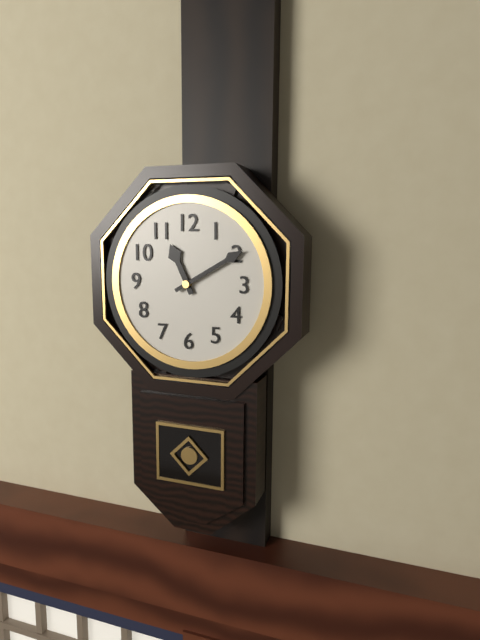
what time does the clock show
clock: 11:10
